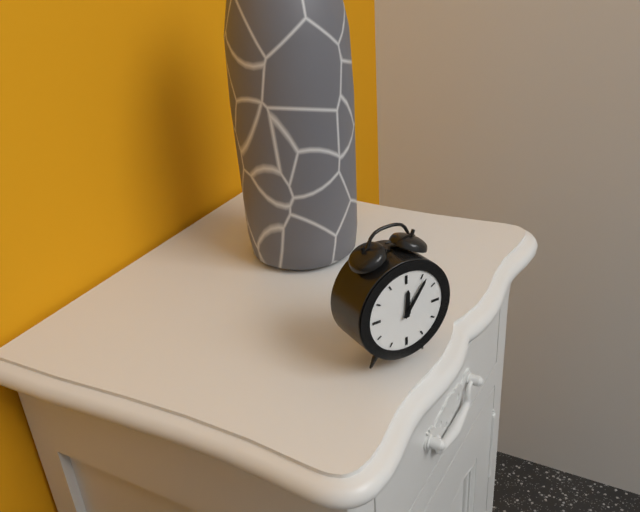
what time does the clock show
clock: 12:06
